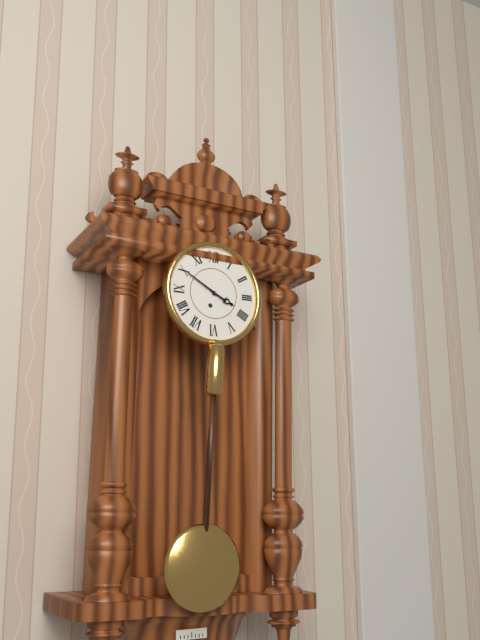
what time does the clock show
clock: 3:50
